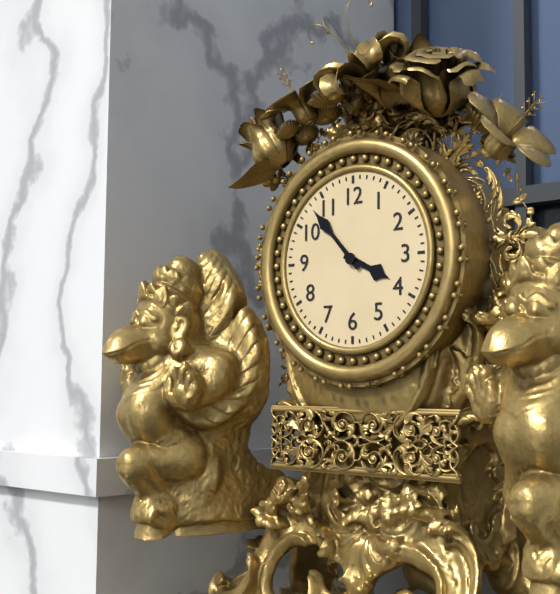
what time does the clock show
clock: 3:53
